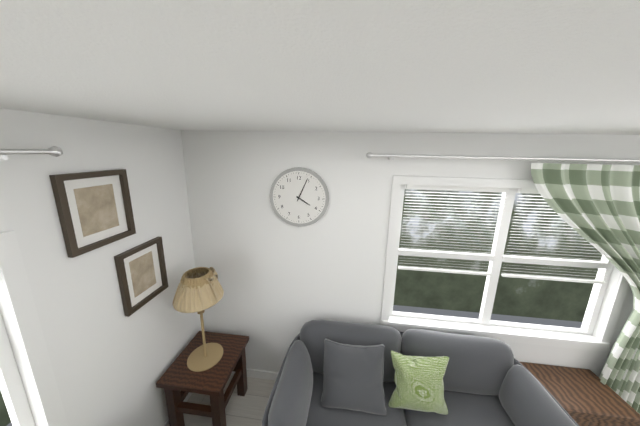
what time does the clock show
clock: 4:04
